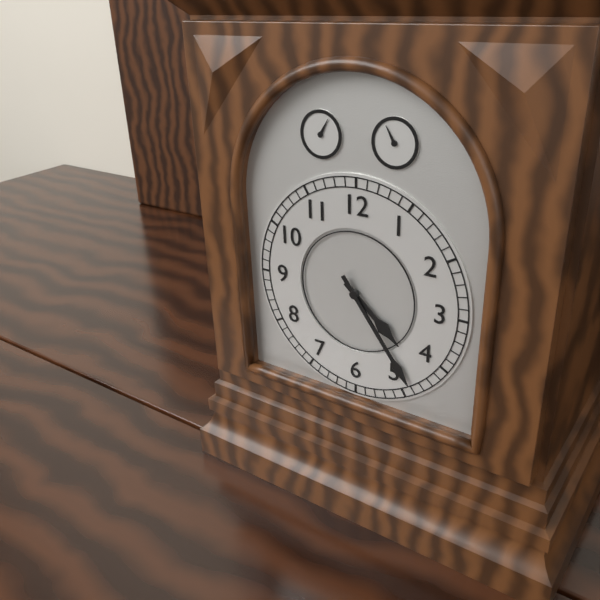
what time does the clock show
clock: 4:24
